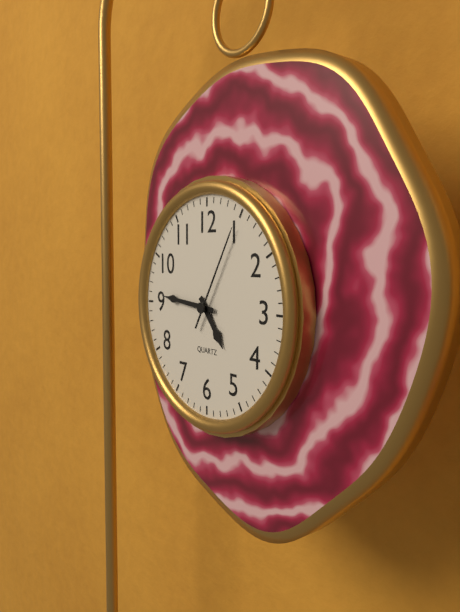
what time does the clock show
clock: 4:46:05
